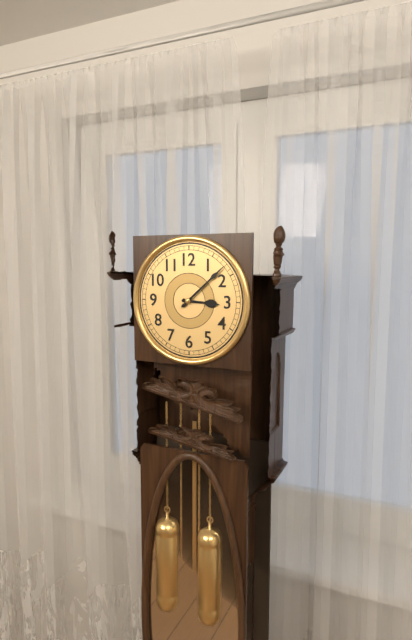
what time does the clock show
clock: 3:08
